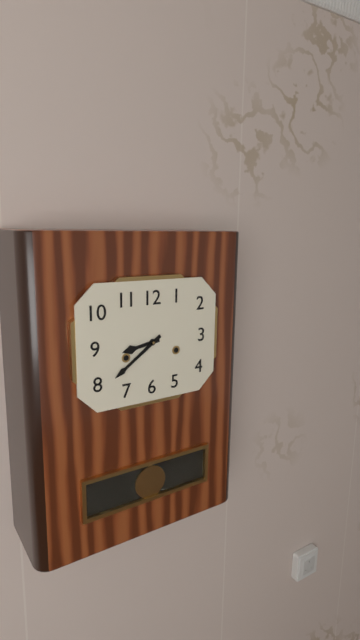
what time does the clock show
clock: 8:39
